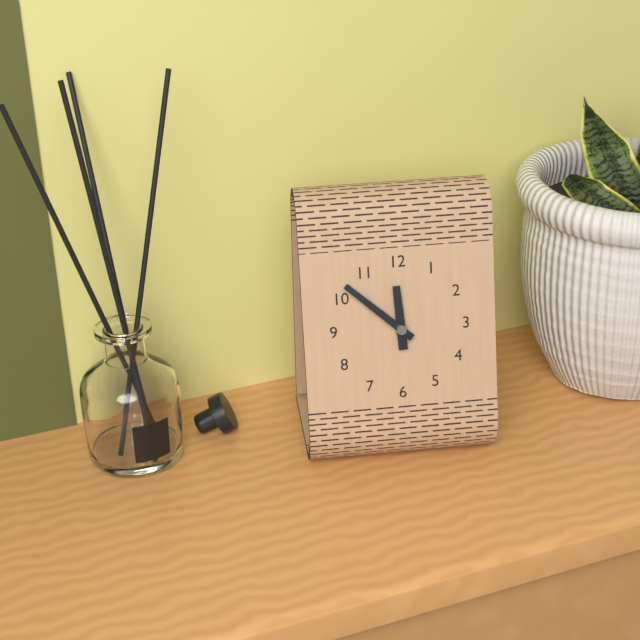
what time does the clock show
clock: 11:52
